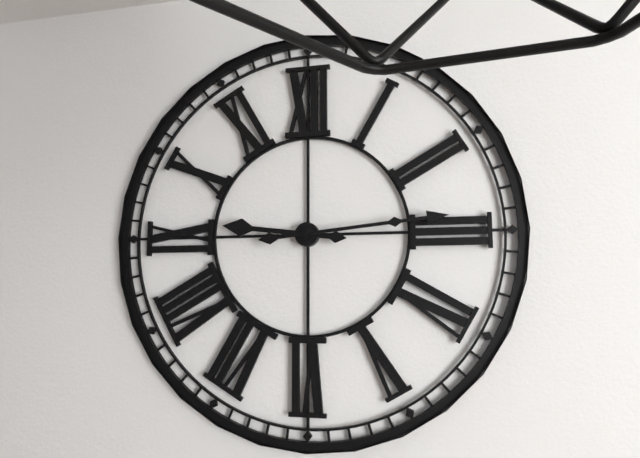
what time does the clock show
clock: 9:14
